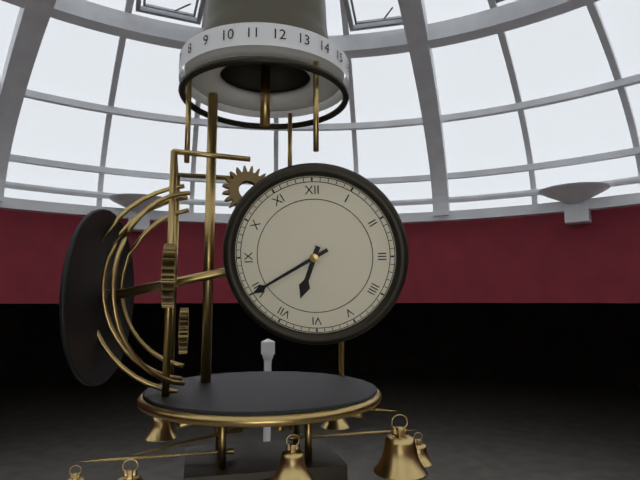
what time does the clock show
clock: 6:40
